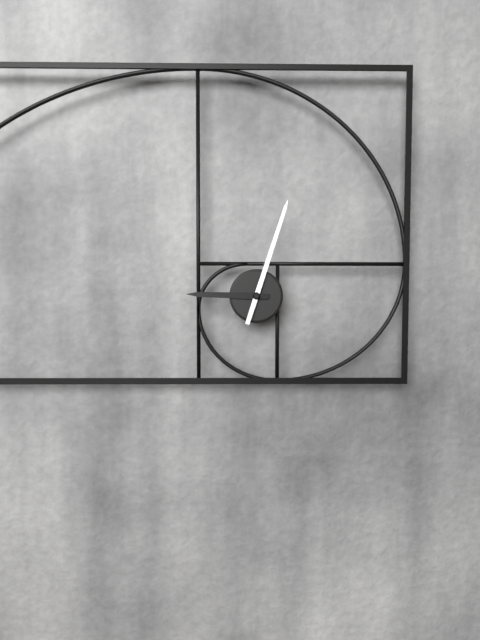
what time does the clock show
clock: 9:03
